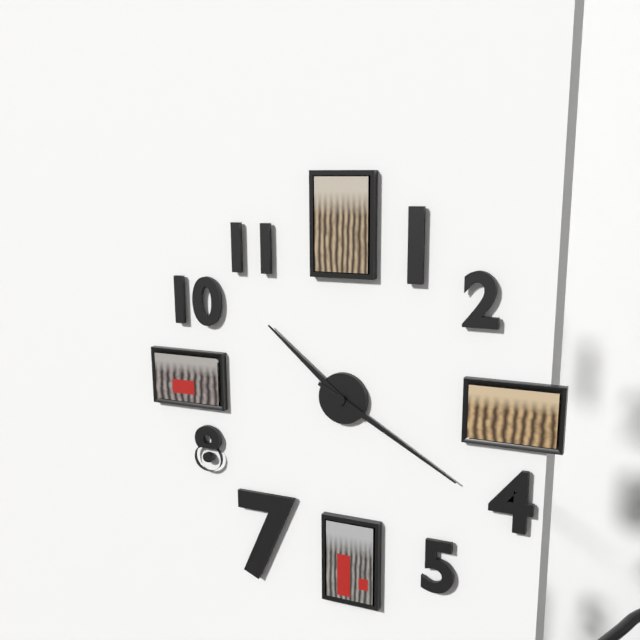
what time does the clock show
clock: 10:20
